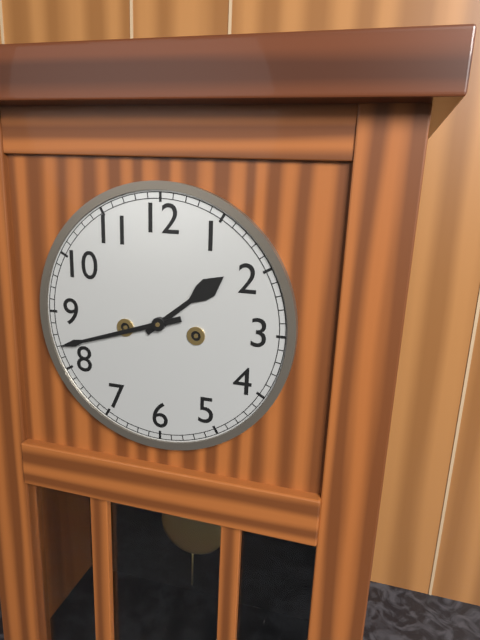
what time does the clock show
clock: 1:42
